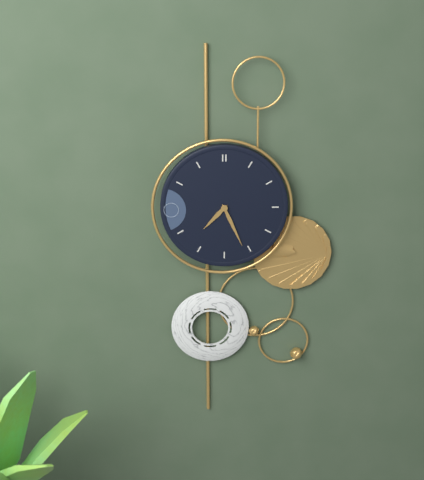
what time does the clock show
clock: 7:26
